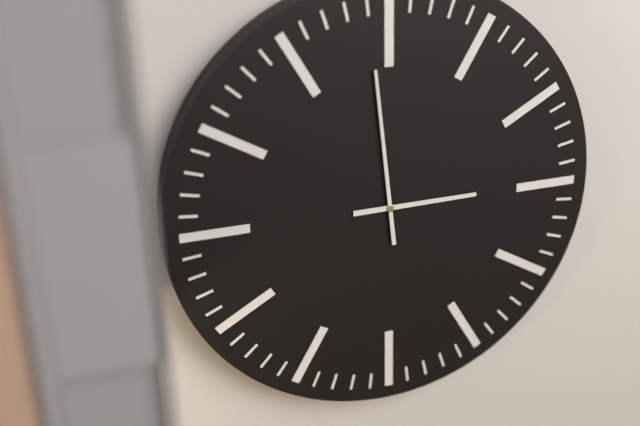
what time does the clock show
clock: 2:59
